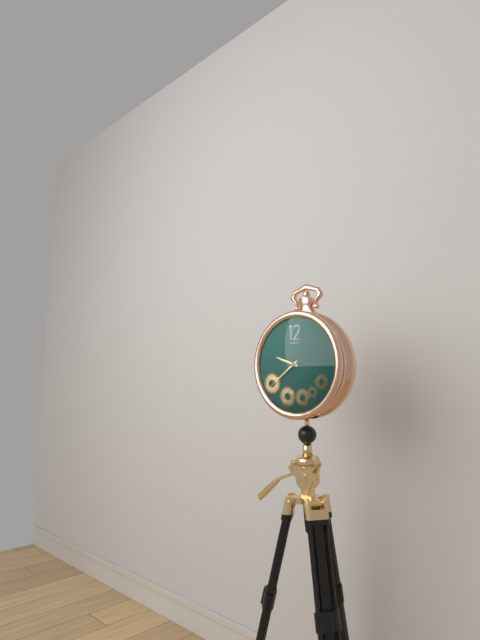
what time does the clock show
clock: 9:39
